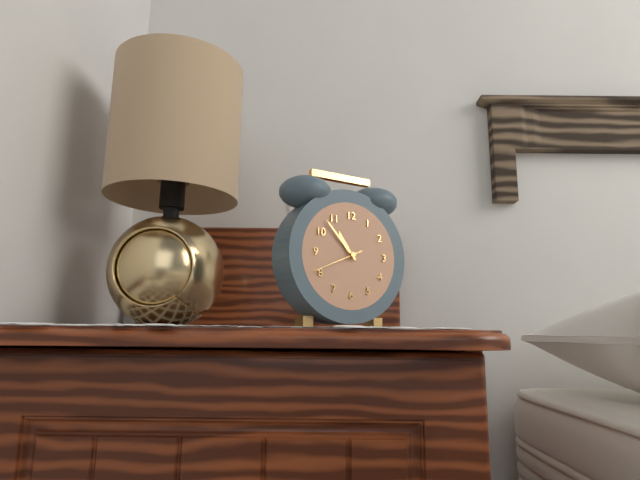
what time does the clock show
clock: 10:53:41
